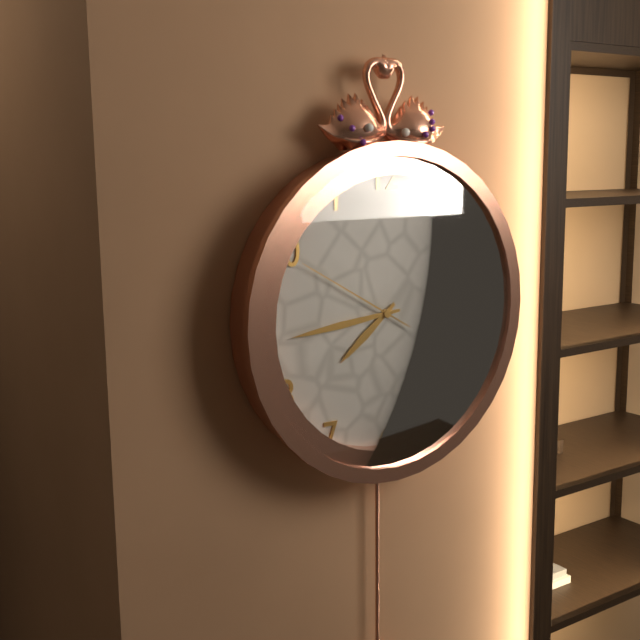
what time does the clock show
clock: 7:44:50
